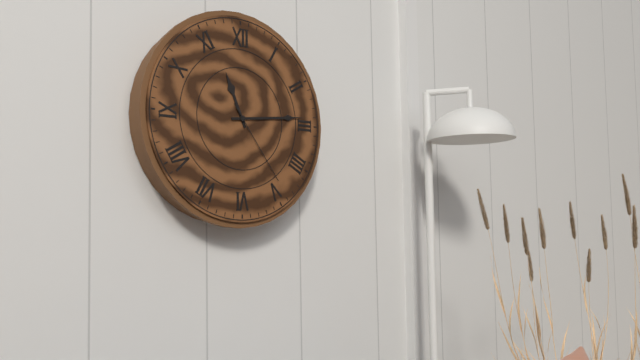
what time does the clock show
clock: 11:14:24
